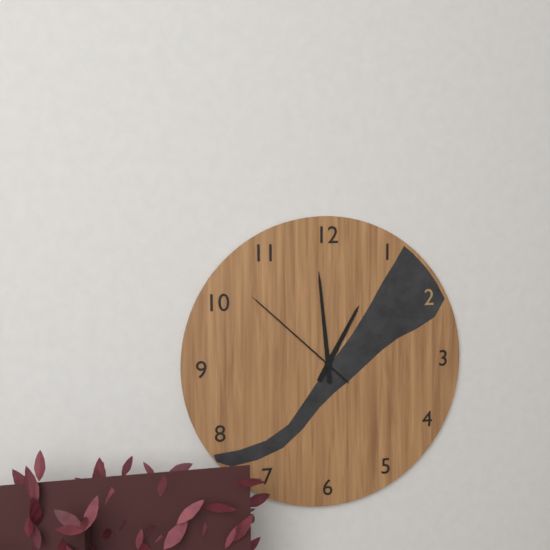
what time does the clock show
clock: 12:59:52
